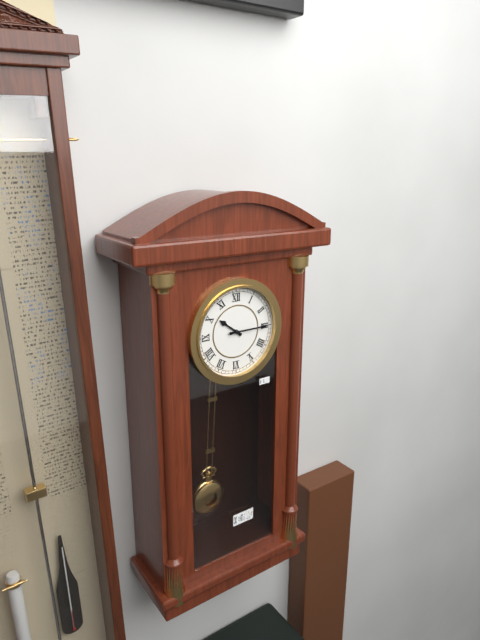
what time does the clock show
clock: 10:15
